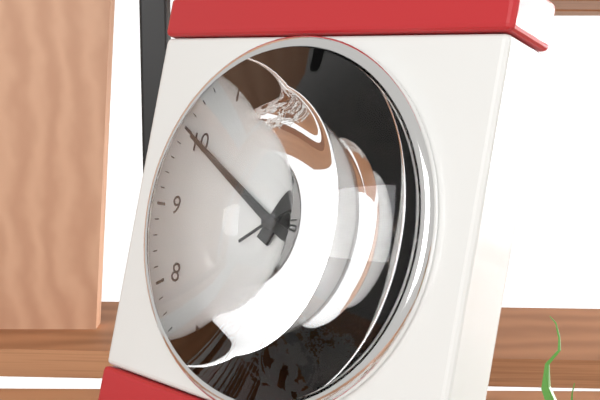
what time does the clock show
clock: 12:50:09
